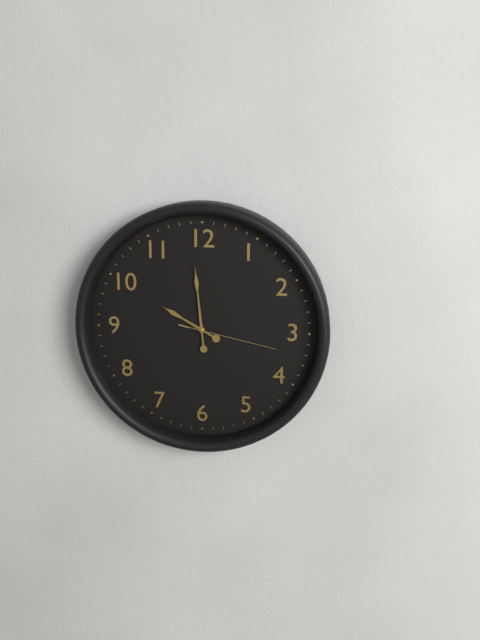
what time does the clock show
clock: 9:59:17
